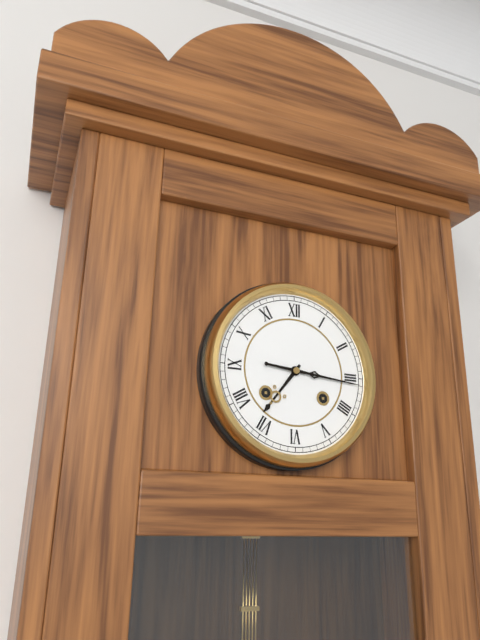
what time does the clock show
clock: 7:16
